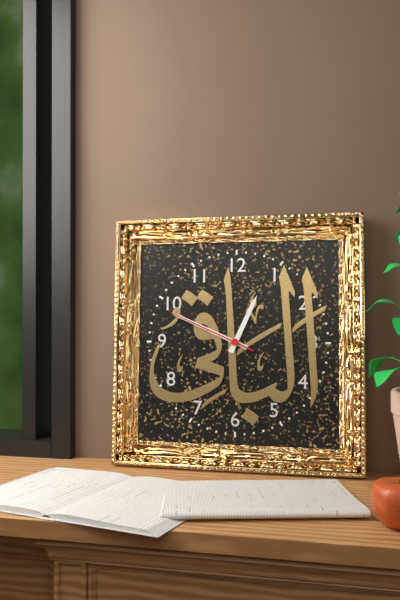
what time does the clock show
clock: 12:49:49
